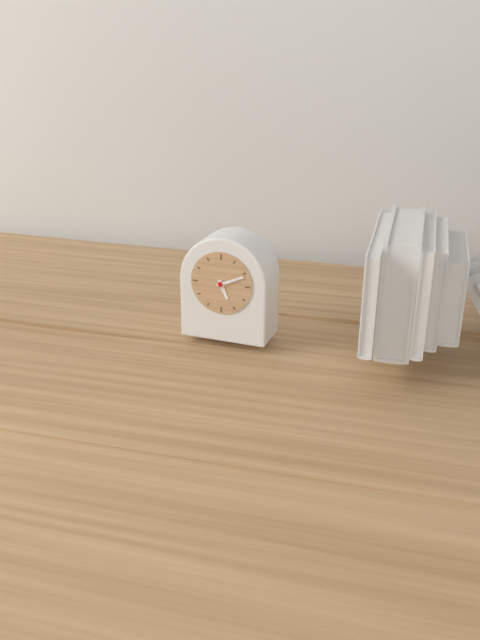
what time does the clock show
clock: 5:11
